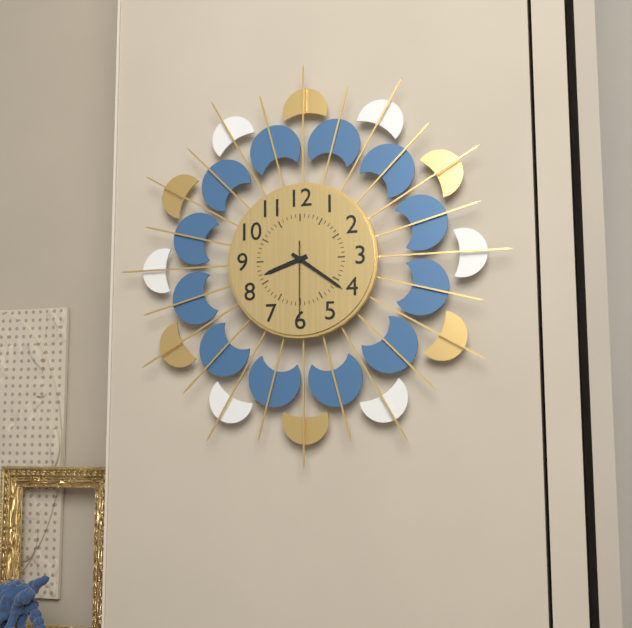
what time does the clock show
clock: 8:21:30
